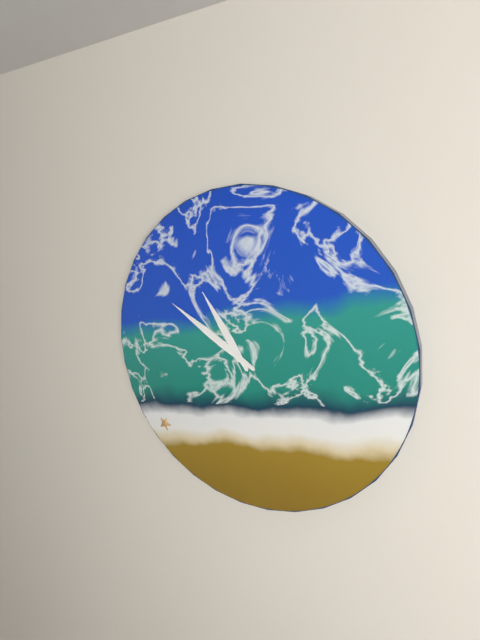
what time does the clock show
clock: 10:50
